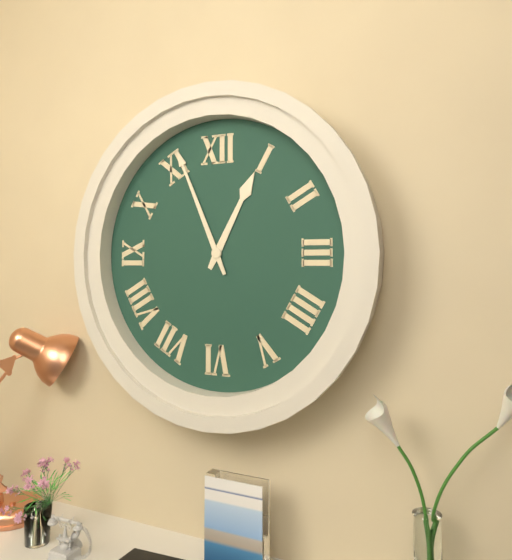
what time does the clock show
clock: 12:56
